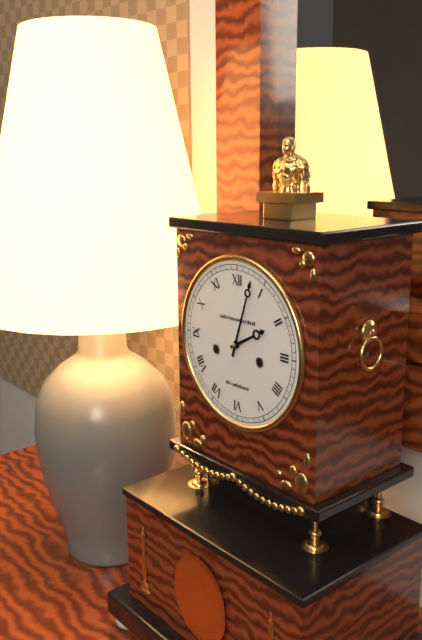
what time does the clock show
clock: 2:03
